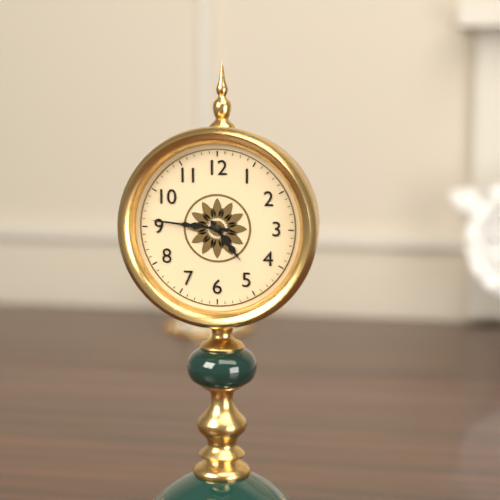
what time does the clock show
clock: 4:46
